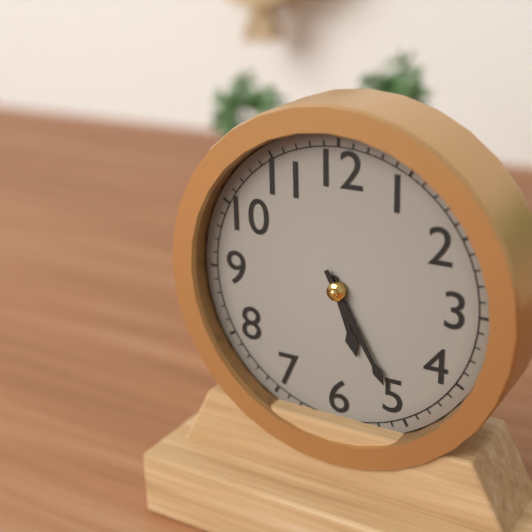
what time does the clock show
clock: 5:25
